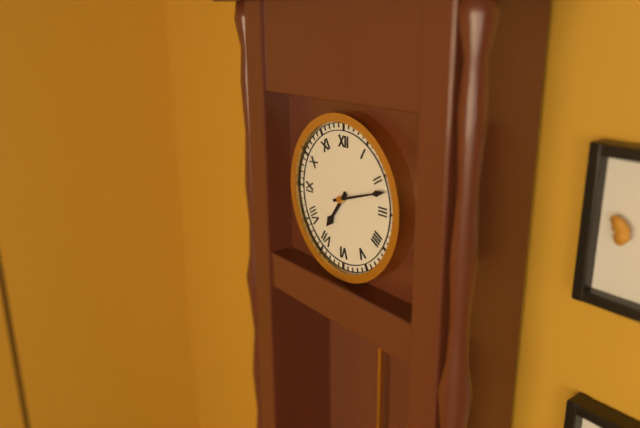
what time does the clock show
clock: 7:12
